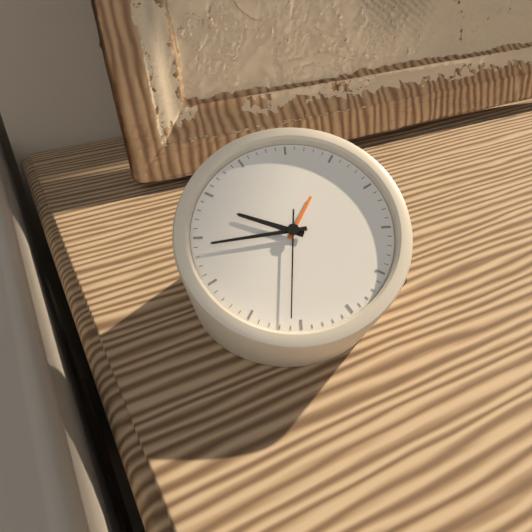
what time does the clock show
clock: 9:44:31
